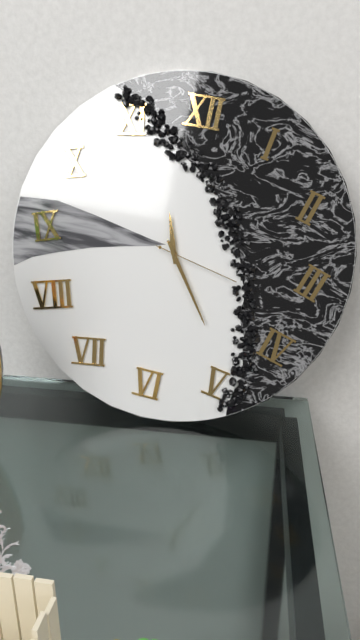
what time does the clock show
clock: 11:24:17
